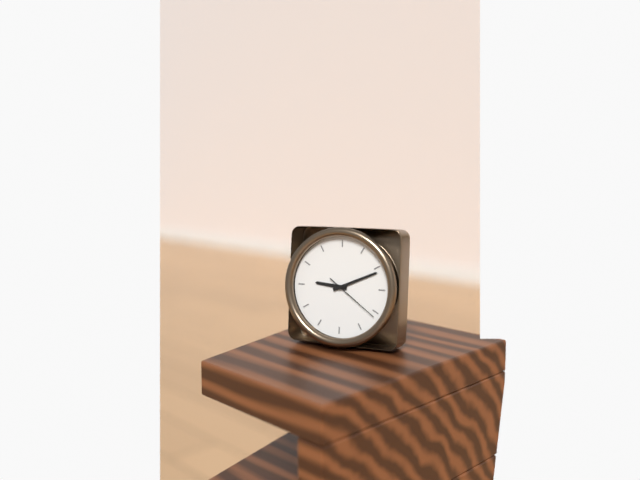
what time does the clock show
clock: 9:11:21
